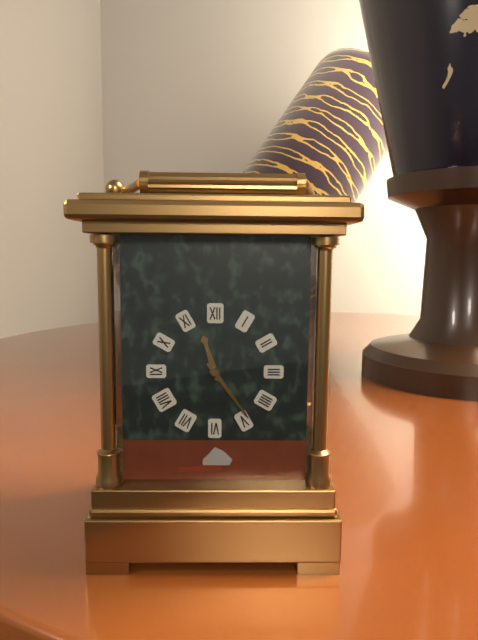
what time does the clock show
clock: 11:24
